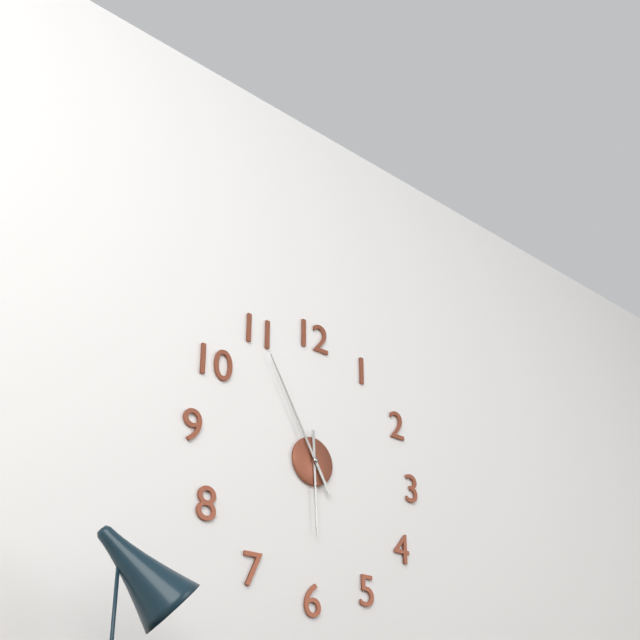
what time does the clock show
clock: 5:55
